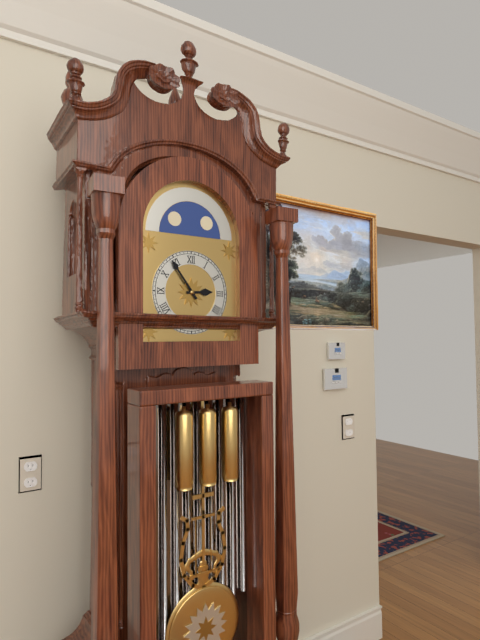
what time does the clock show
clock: 2:54
